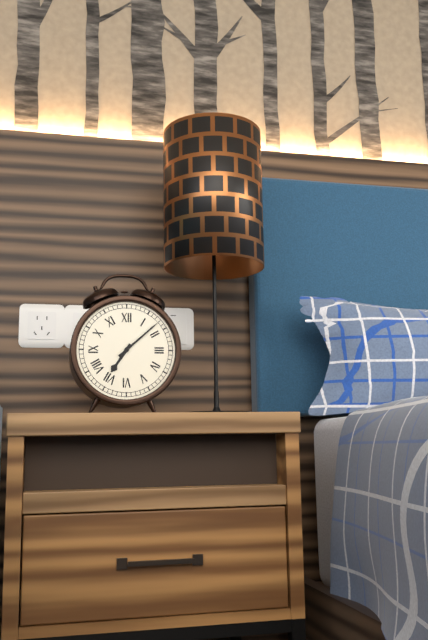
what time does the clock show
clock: 7:08
